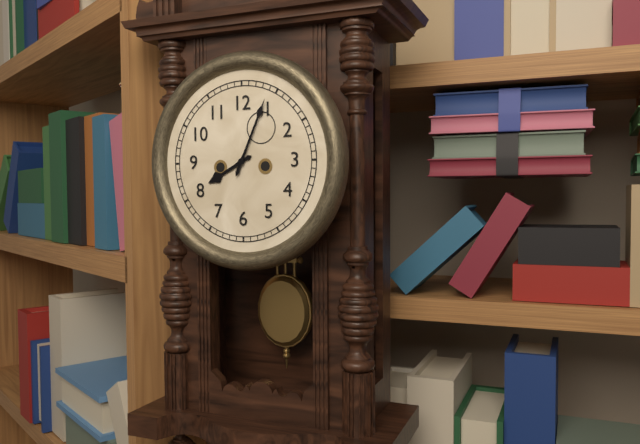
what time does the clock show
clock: 8:04
